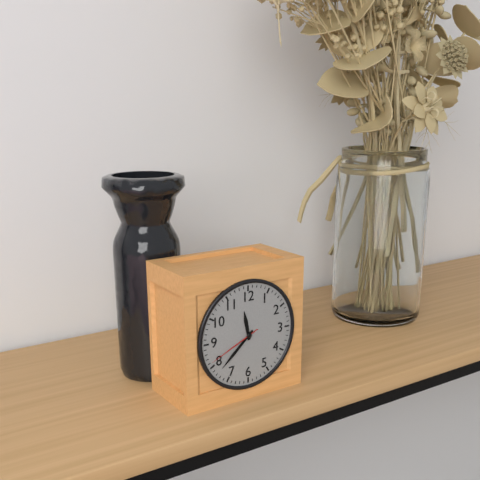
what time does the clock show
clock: 11:38:41
